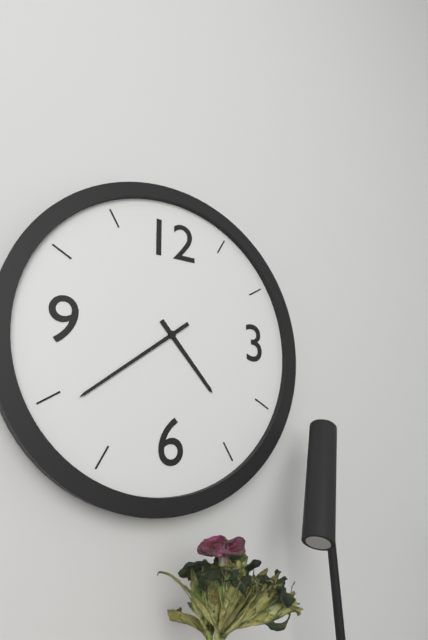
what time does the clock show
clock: 4:39
